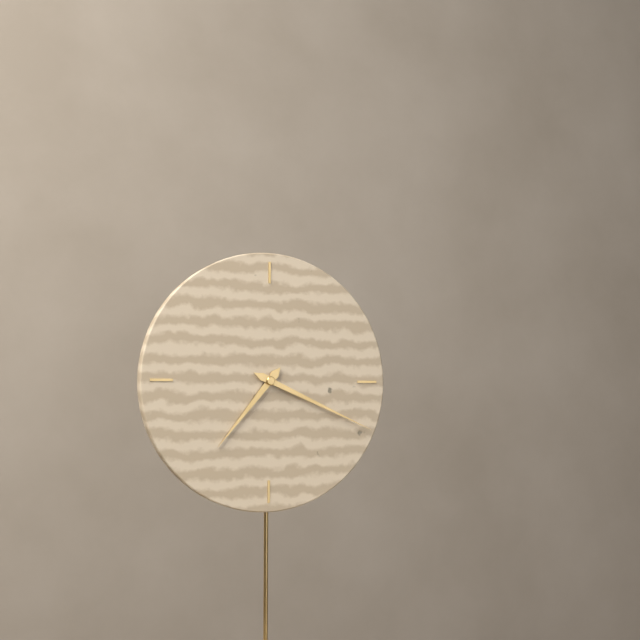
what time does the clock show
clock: 7:19
